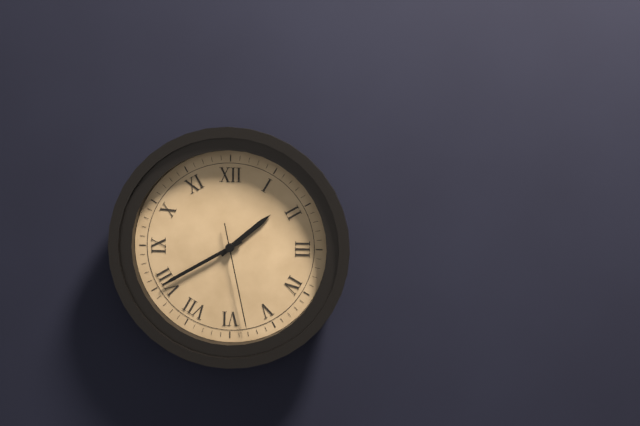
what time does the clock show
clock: 1:40:28
